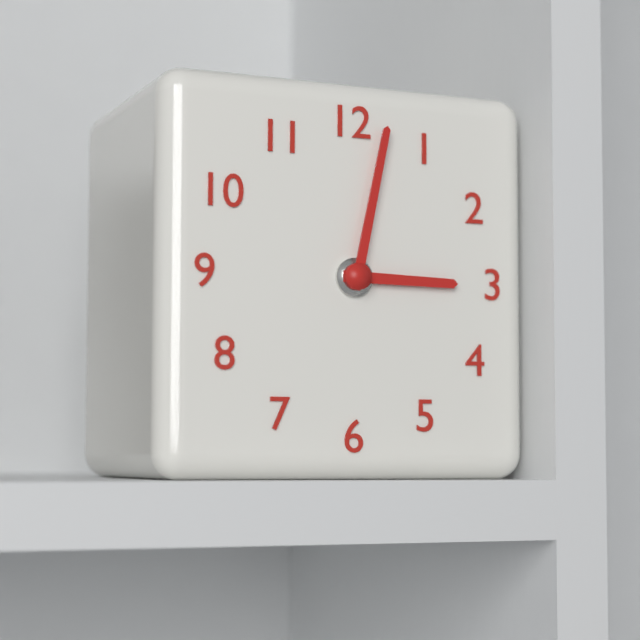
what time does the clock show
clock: 3:02
